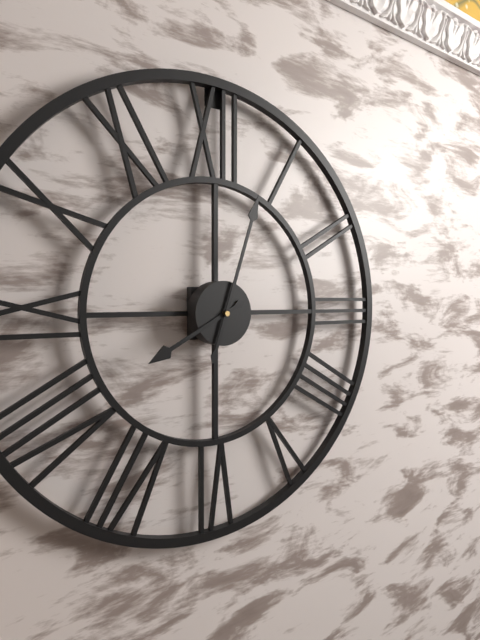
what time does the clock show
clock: 8:03
